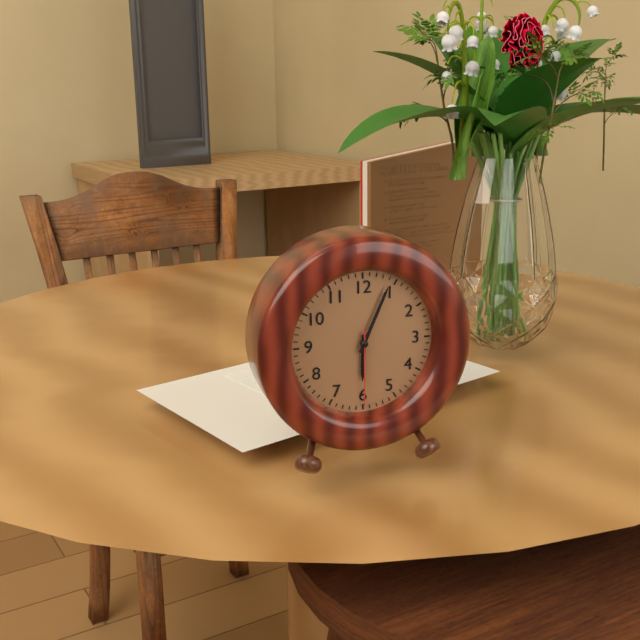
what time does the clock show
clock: 6:04:30
